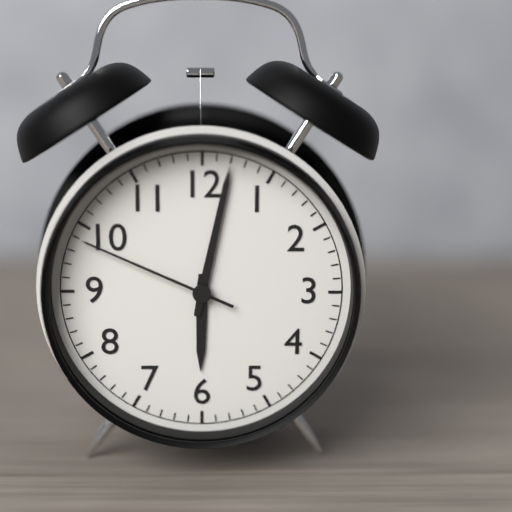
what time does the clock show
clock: 6:02:49
